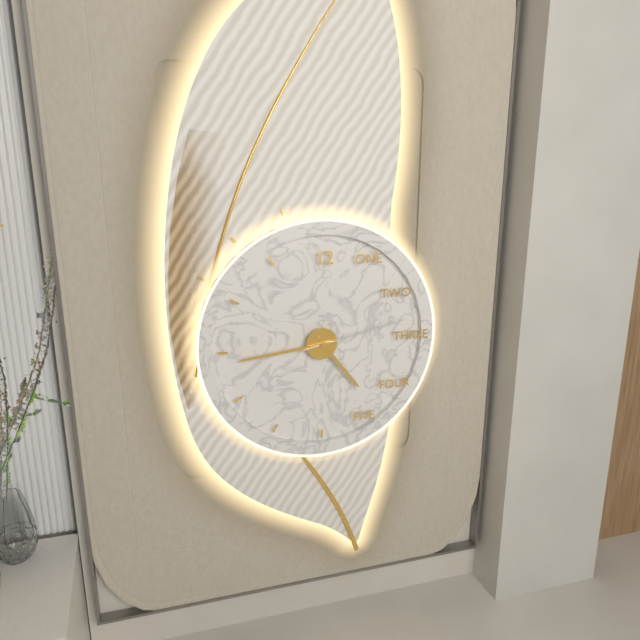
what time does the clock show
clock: 4:44:13
